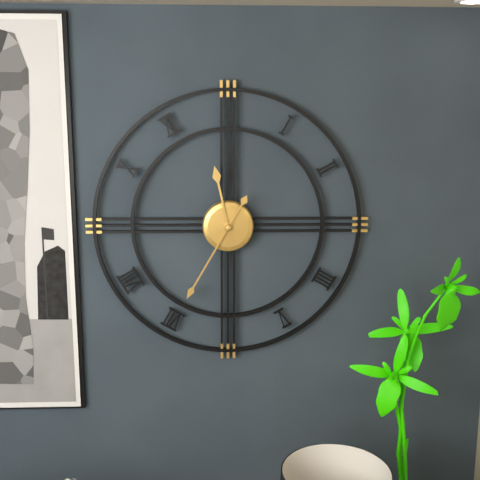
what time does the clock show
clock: 11:35
